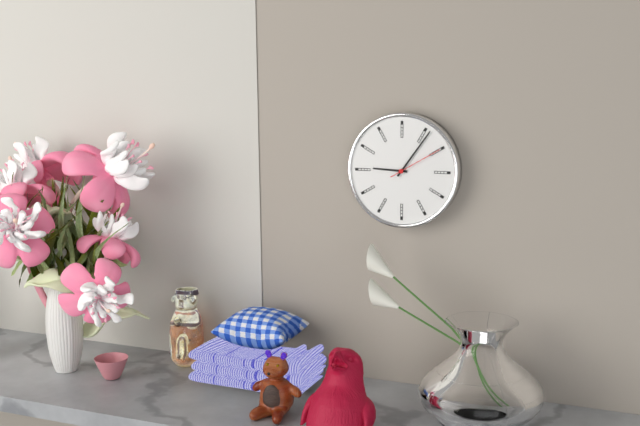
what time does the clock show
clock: 9:06:10
